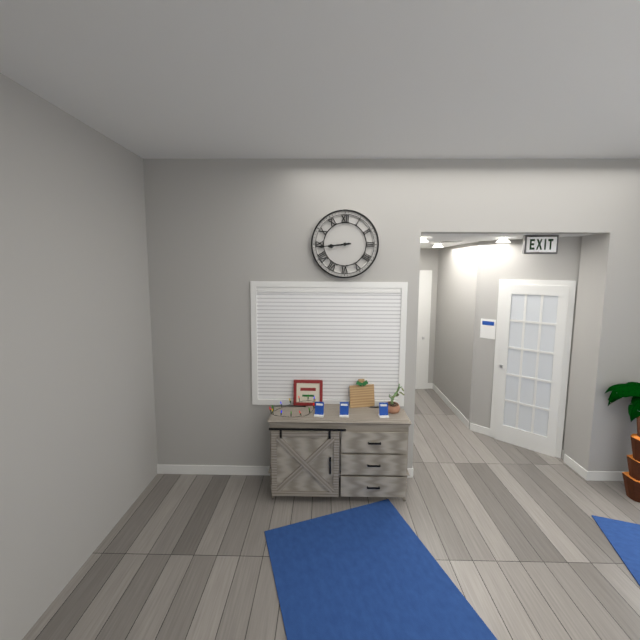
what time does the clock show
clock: 8:44
